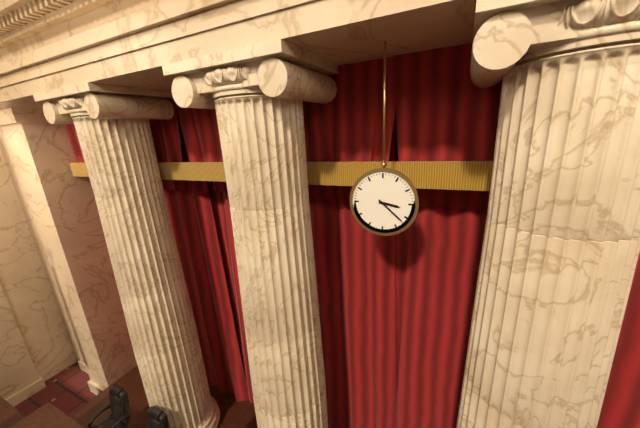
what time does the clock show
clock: 3:22
